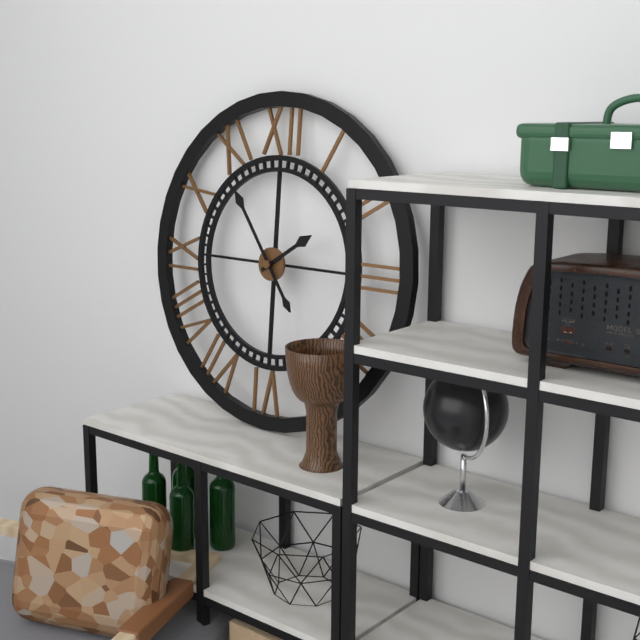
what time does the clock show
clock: 1:54
